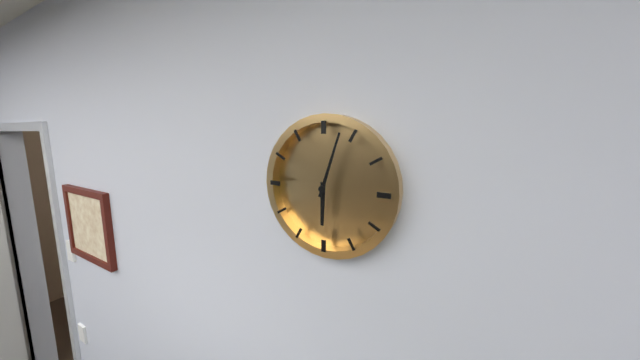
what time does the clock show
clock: 6:03
